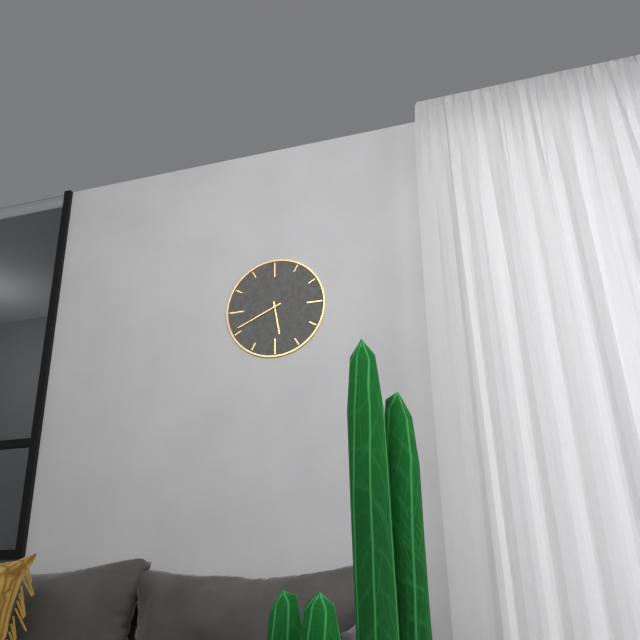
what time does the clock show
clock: 5:41
